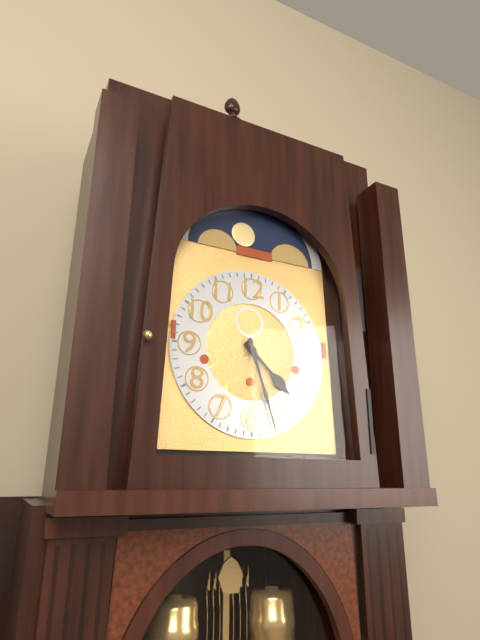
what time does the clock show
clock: 4:27
